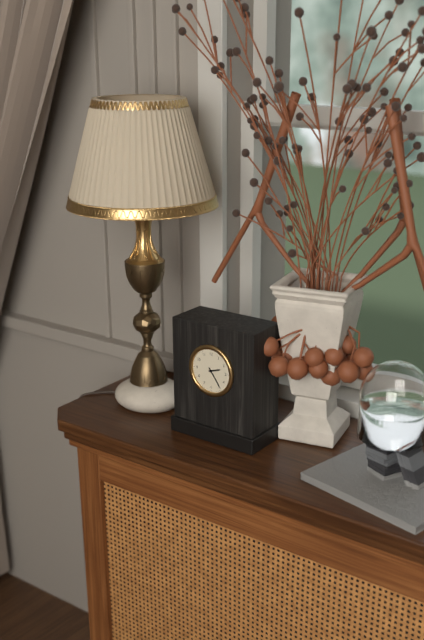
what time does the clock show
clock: 2:24
